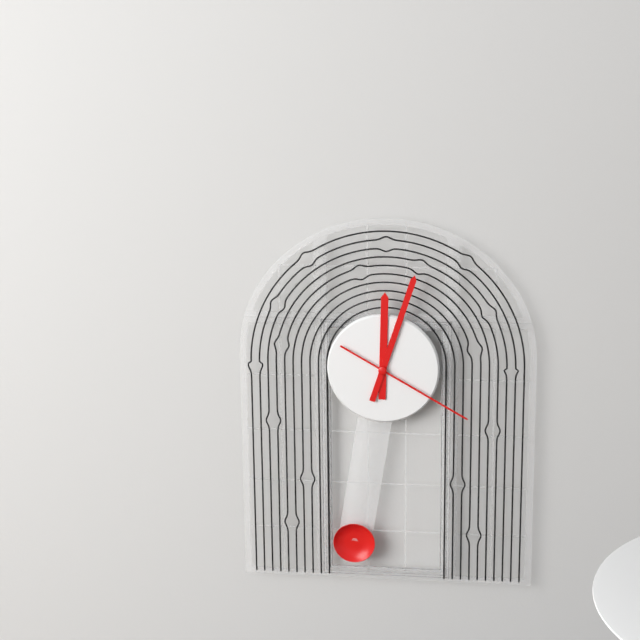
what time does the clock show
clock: 12:03:20
